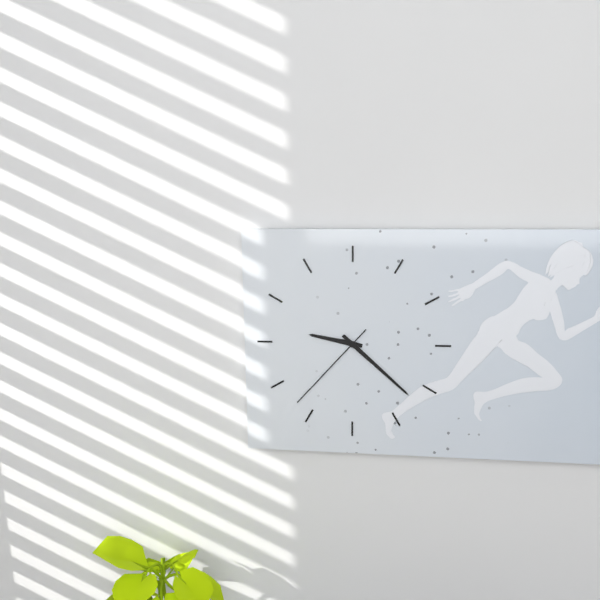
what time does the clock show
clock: 9:22:37
